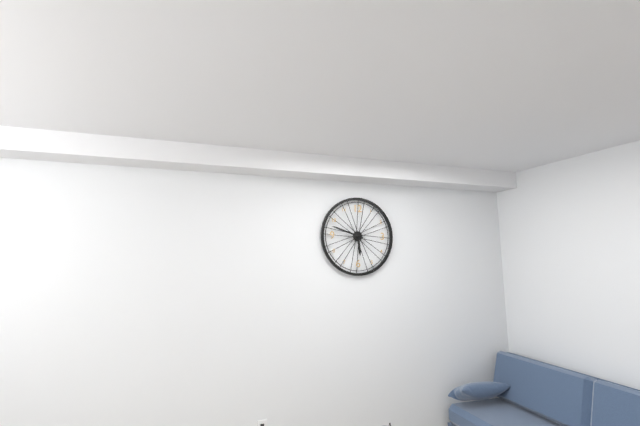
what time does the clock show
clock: 5:48
